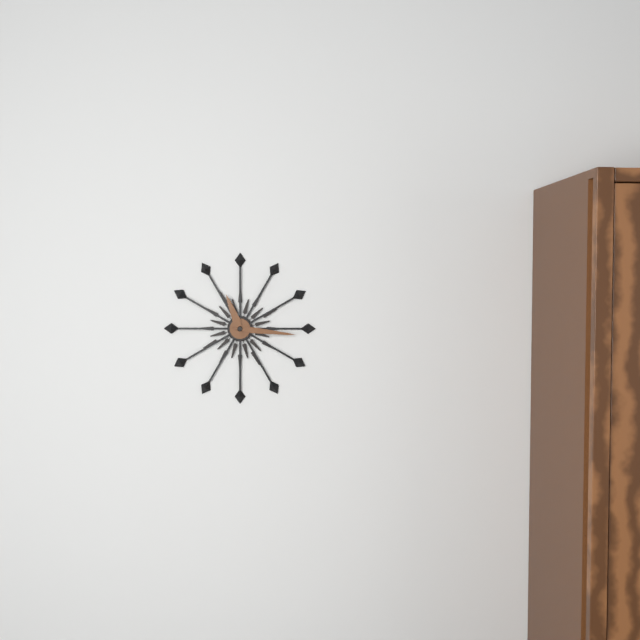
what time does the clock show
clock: 11:16
